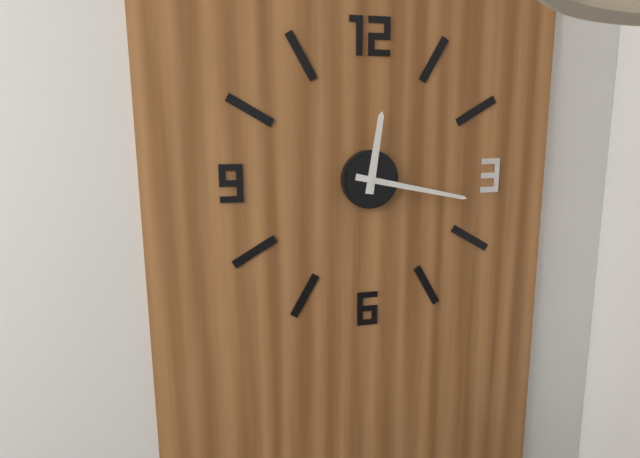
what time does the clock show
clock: 12:17
